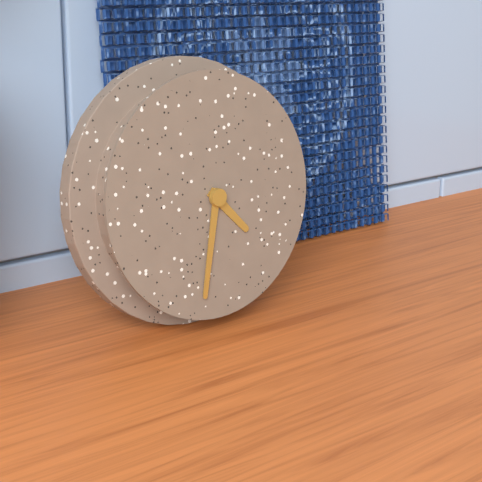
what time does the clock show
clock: 4:32
